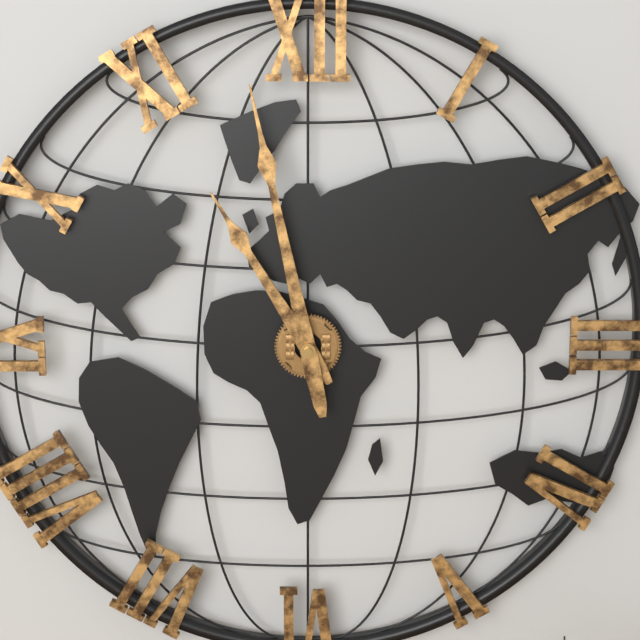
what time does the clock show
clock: 10:58
